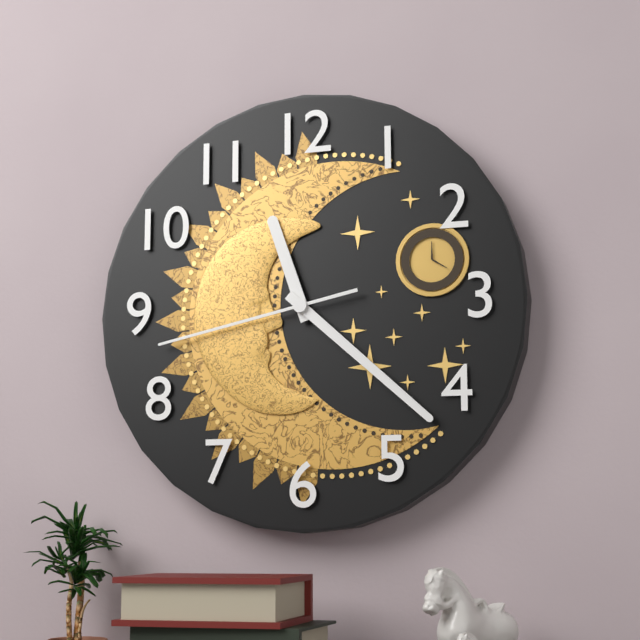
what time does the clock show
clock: 11:22:43
